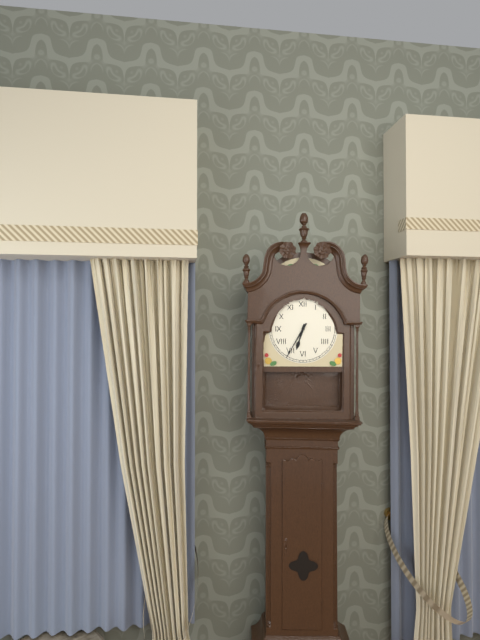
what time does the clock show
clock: 6:35
